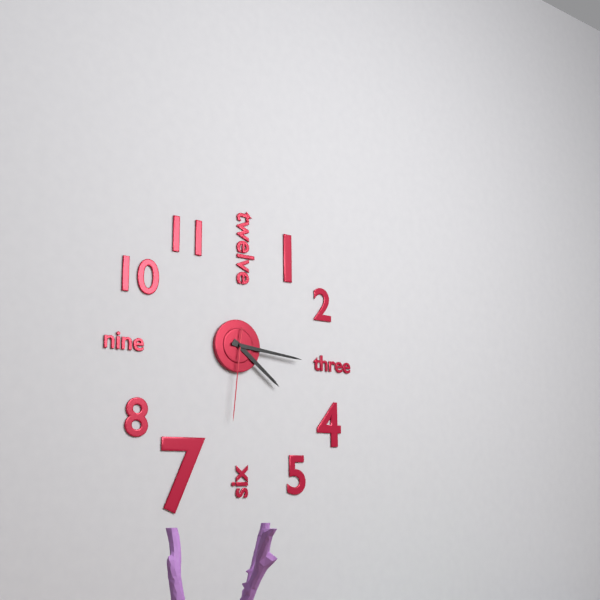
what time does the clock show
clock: 4:16:31
